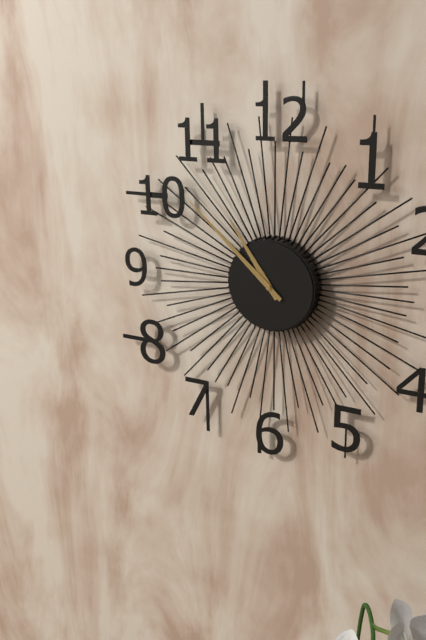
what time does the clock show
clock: 10:52
